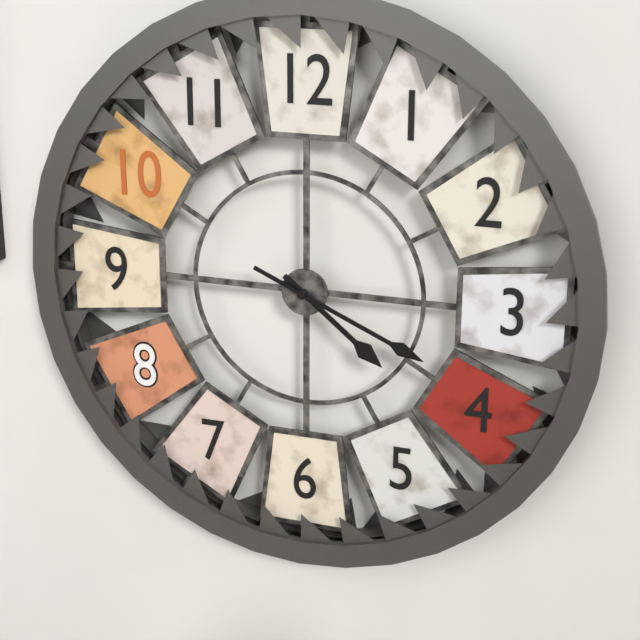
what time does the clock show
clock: 4:19
